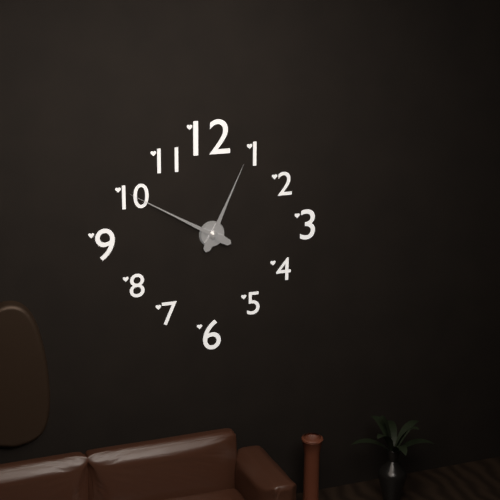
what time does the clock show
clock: 12:50
